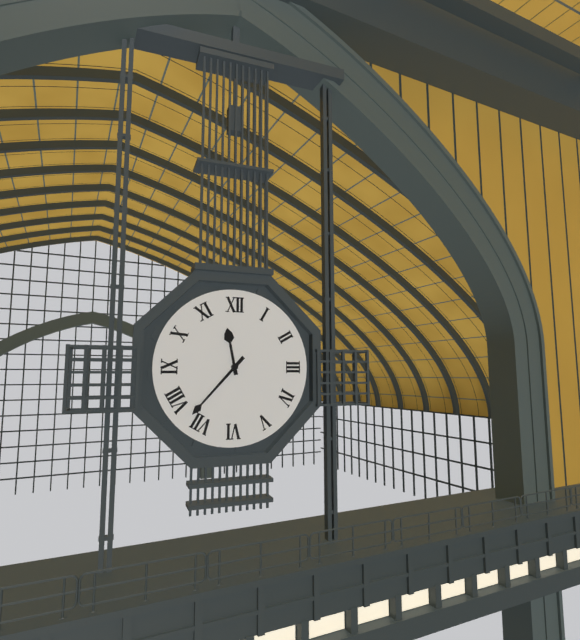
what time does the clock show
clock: 11:37
